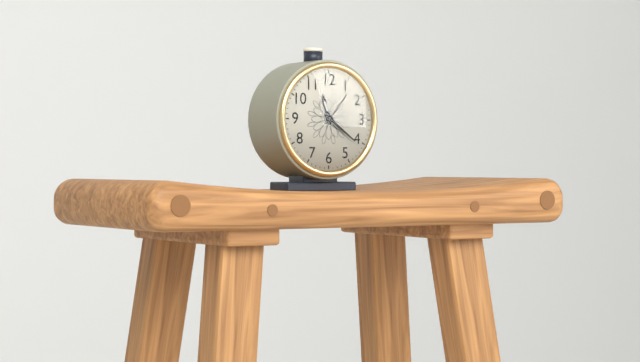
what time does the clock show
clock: 11:21
